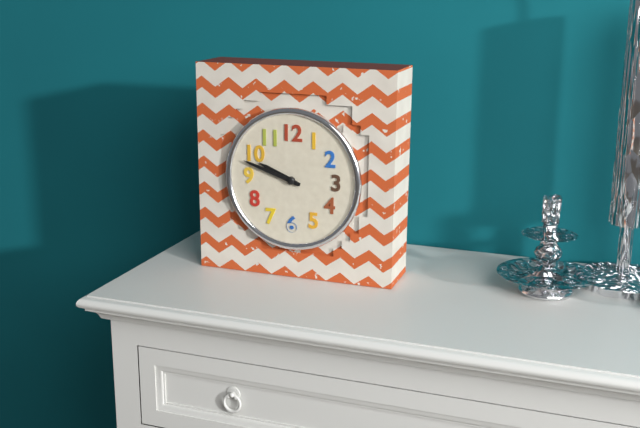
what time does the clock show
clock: 9:48
